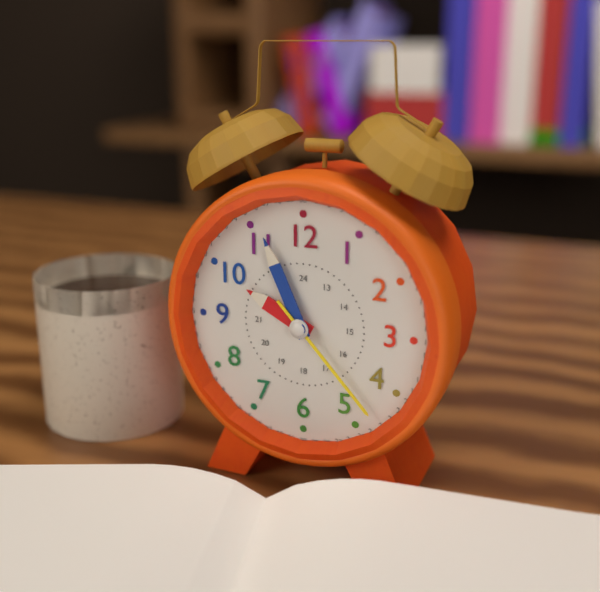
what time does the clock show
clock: 9:56:23
